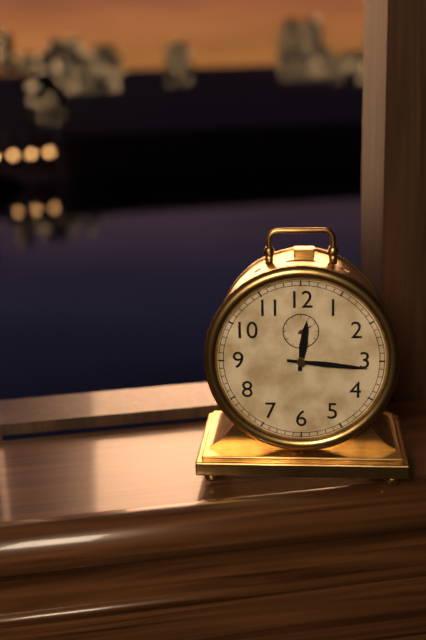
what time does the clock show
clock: 12:16
